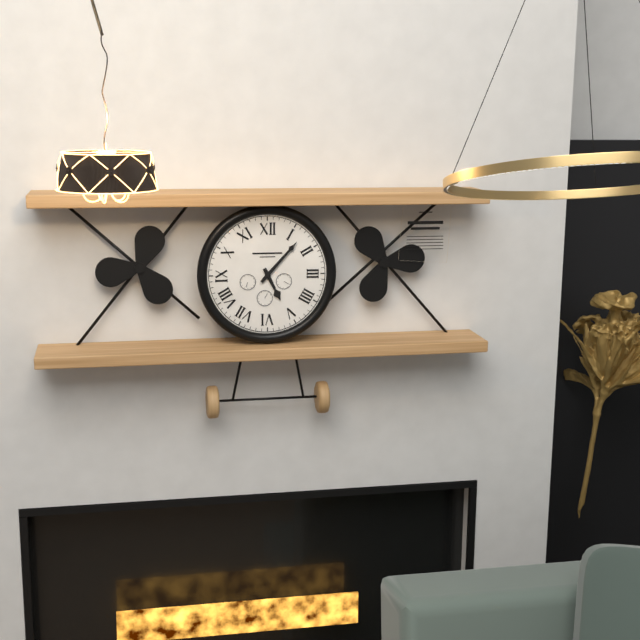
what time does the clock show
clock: 5:07
